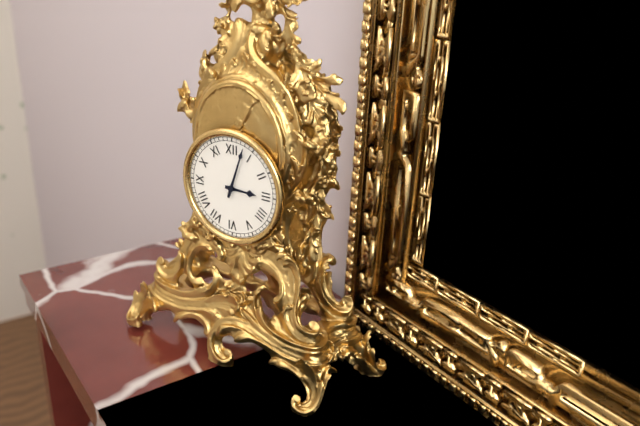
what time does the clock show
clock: 3:03
